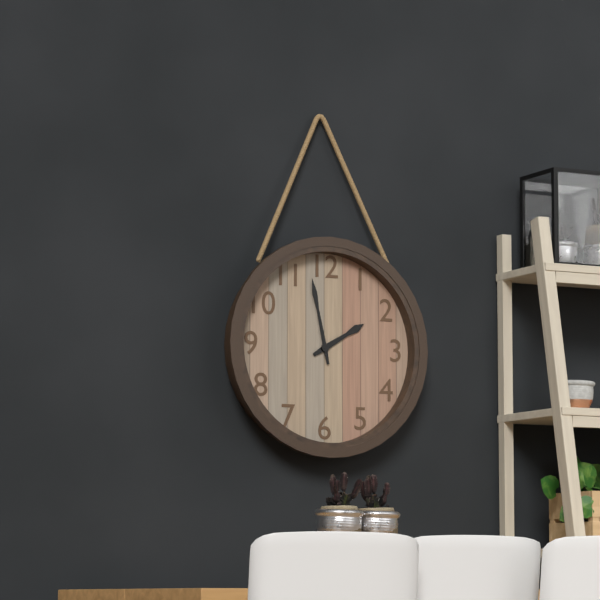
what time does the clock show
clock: 1:58
